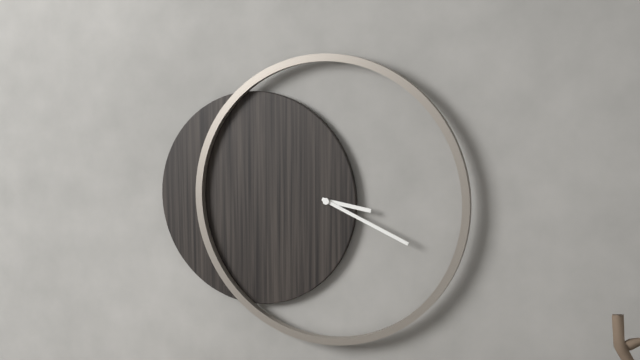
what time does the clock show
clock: 3:19
